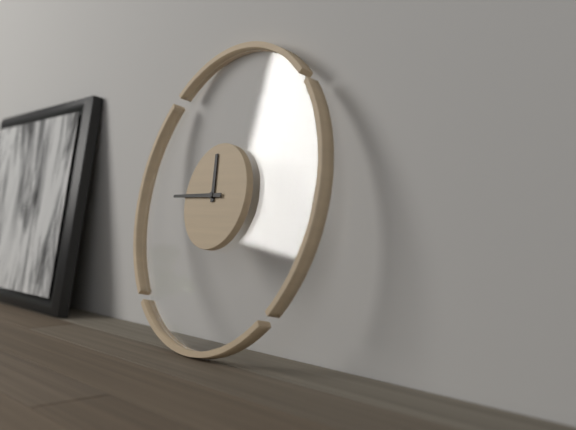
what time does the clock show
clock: 11:45
